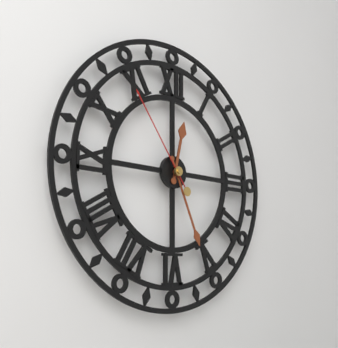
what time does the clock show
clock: 12:26:54
